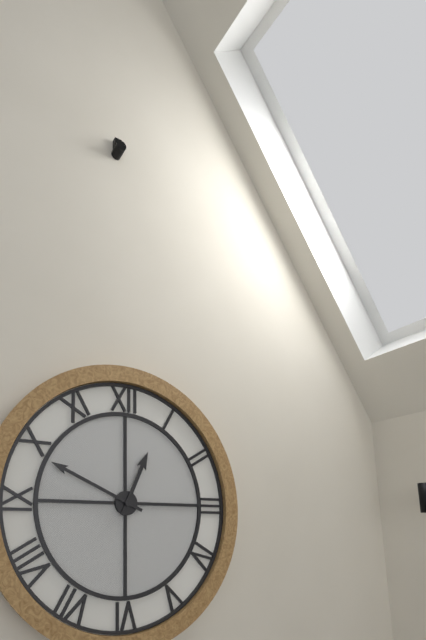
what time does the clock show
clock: 12:49
